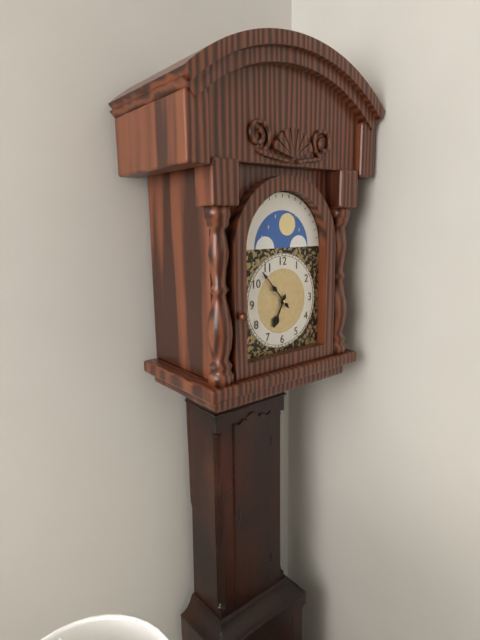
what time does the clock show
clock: 6:53
